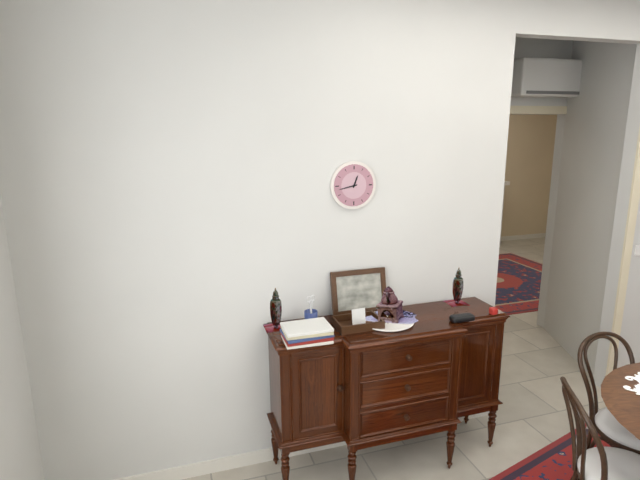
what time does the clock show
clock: 12:43
